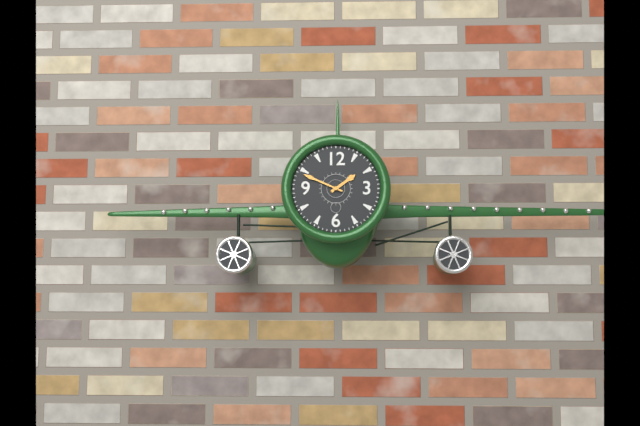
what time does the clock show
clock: 1:49
